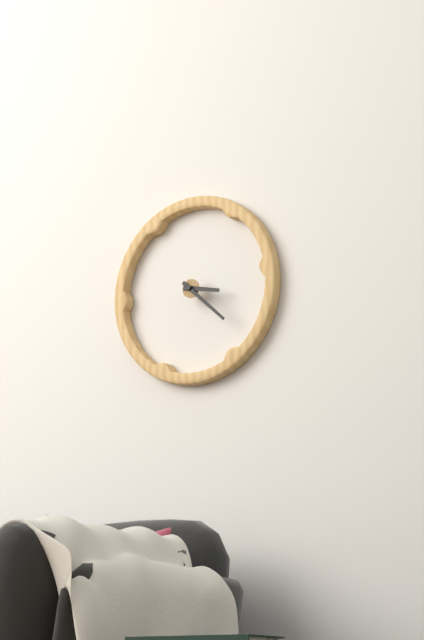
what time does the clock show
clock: 3:22
